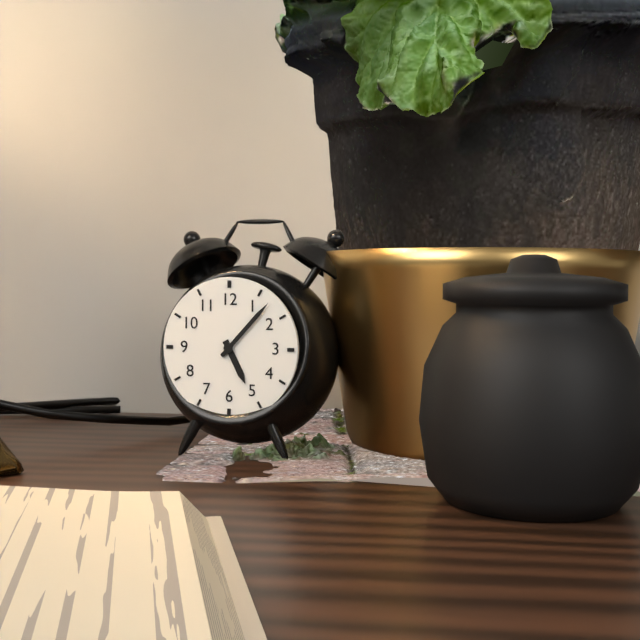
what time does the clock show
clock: 5:07
